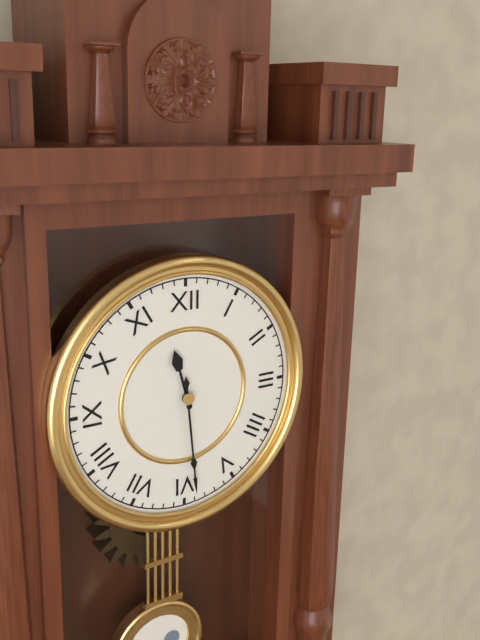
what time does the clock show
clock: 11:29
